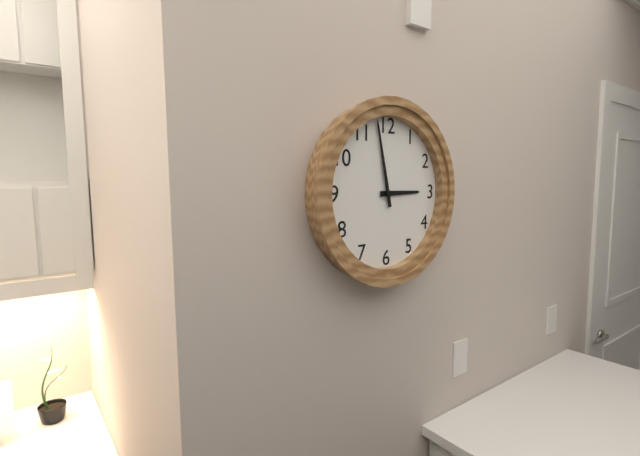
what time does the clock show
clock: 2:58
